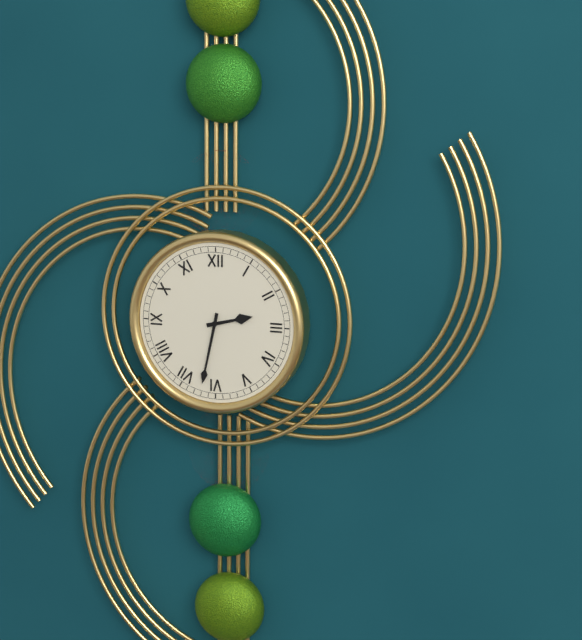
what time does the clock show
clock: 2:32
